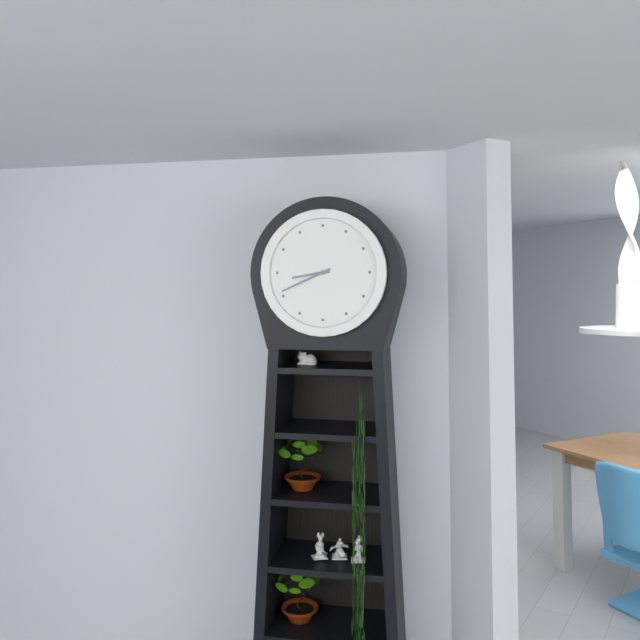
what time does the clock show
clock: 8:41
